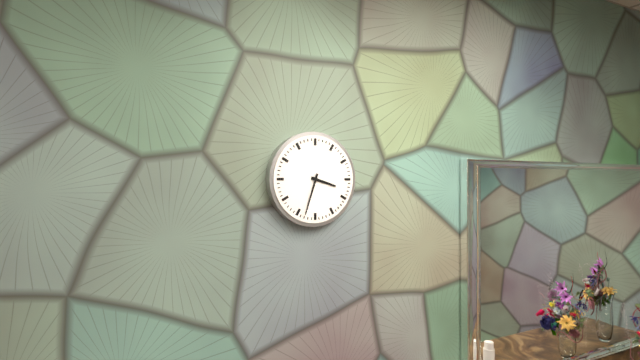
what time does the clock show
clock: 3:33
